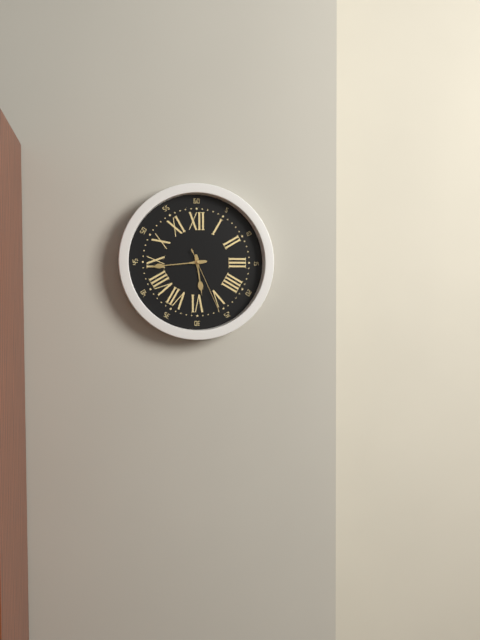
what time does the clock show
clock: 5:44:26
